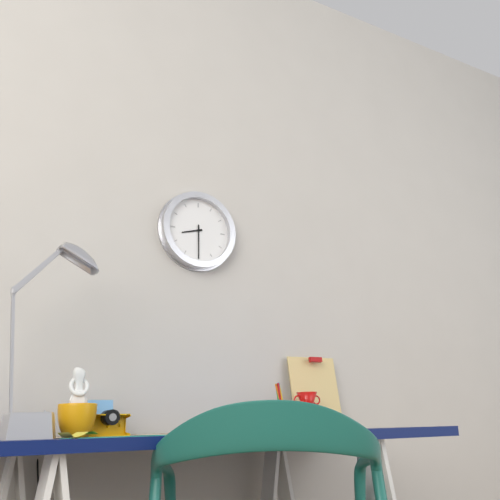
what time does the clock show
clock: 8:30
